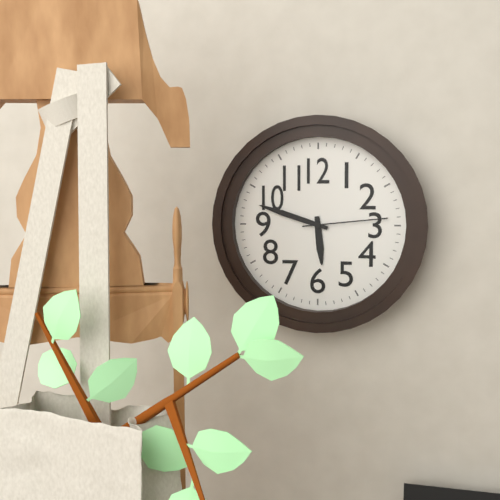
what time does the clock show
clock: 5:48:14
